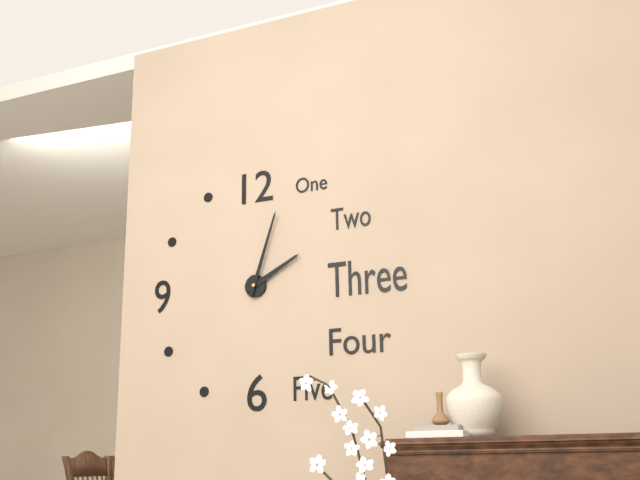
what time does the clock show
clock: 2:03
